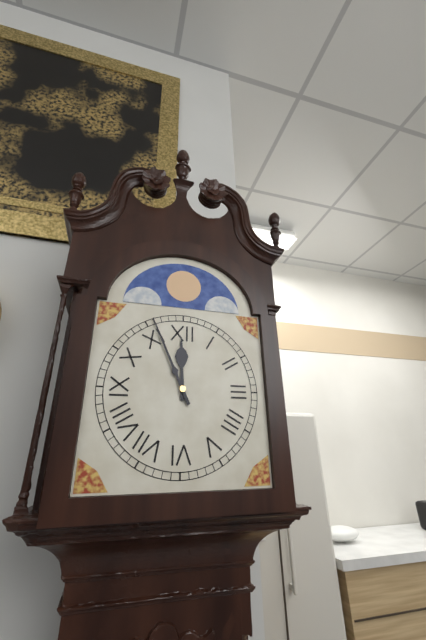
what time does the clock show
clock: 11:56
